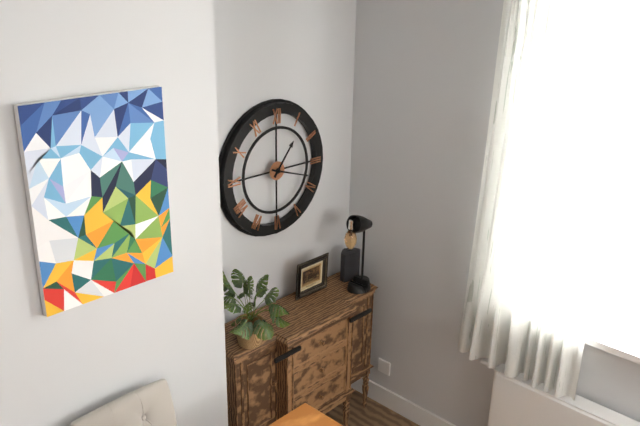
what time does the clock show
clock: 1:18
